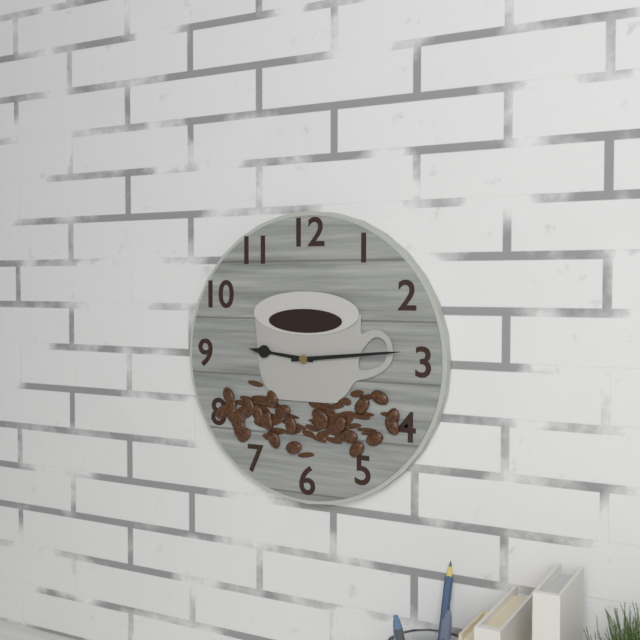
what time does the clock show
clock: 9:14
